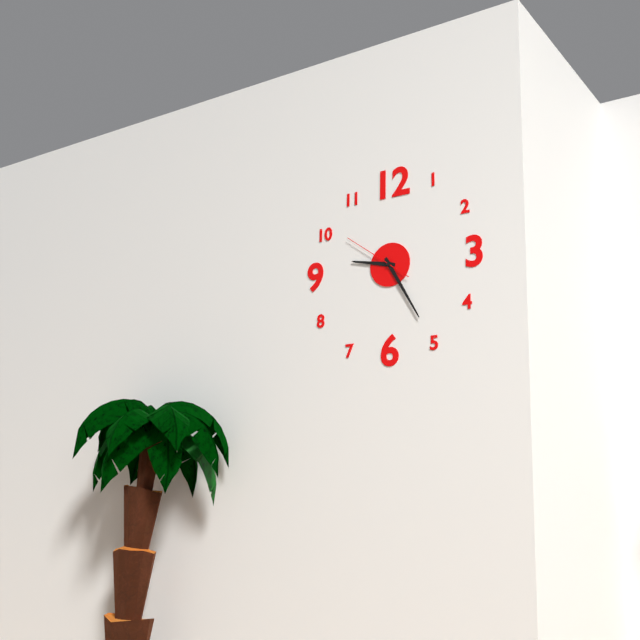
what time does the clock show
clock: 9:25:51
